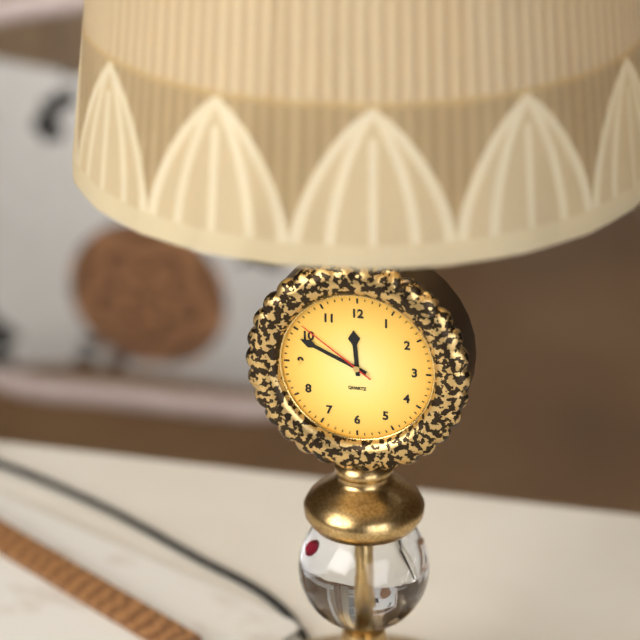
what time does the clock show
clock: 11:49:51
